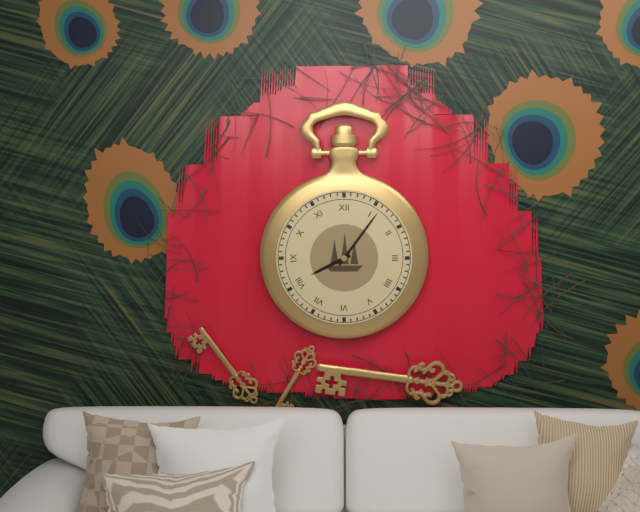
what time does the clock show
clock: 8:06
